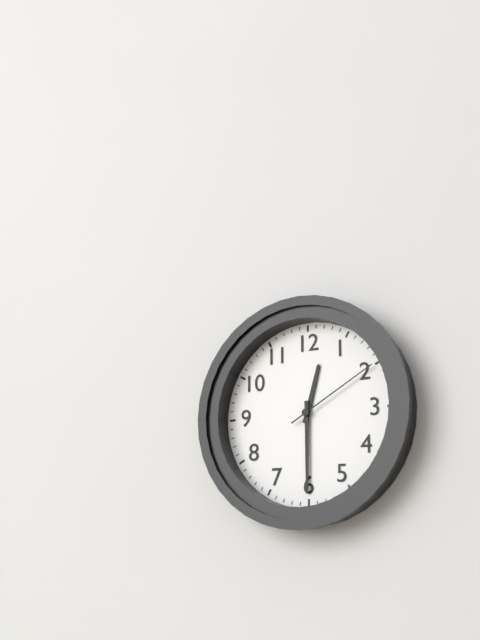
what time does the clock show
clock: 12:30:10
